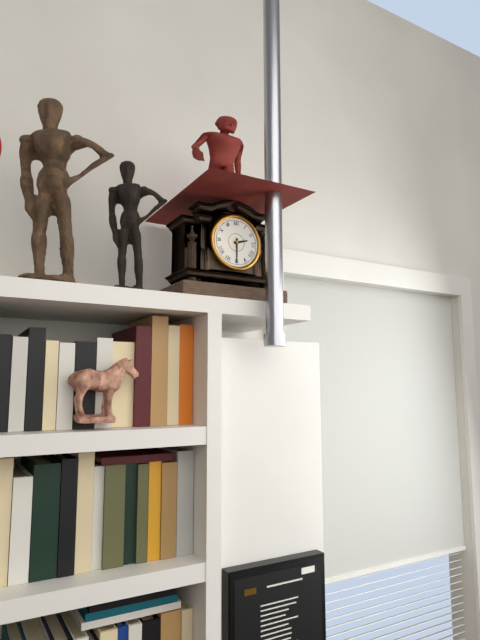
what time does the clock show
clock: 2:30
